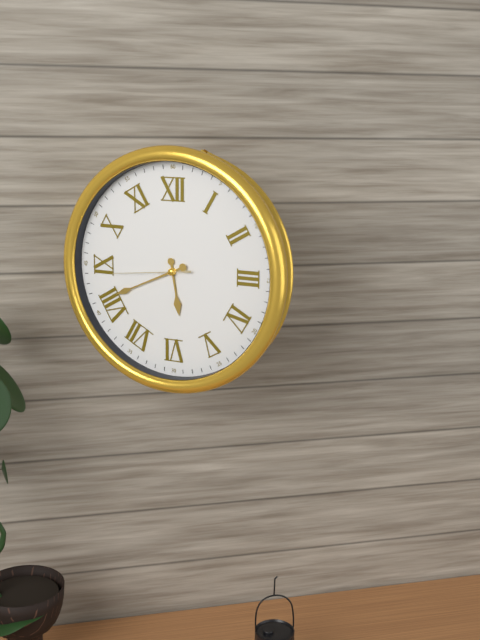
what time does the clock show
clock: 5:41:44
